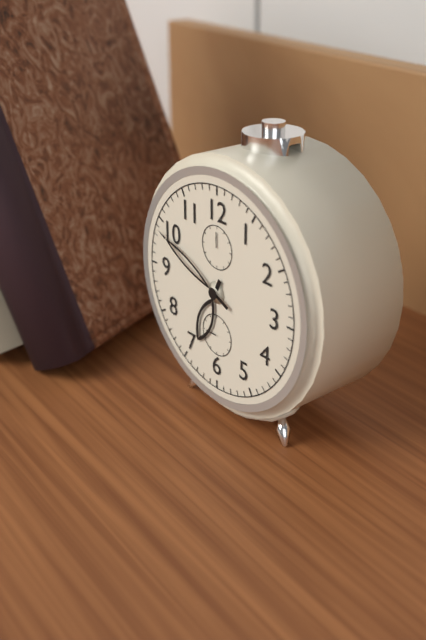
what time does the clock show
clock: 6:49
